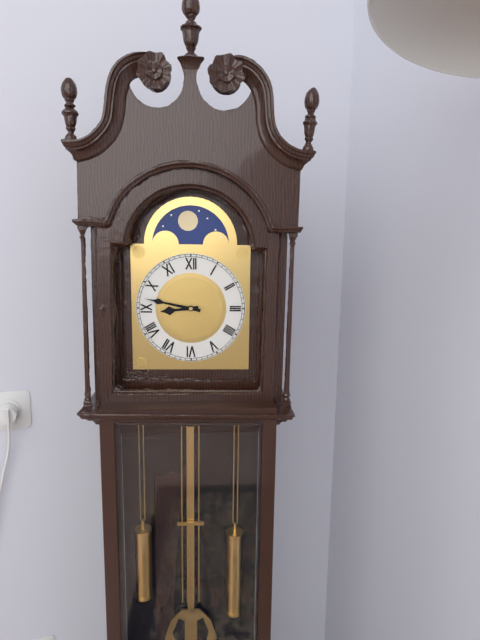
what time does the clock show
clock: 8:47
